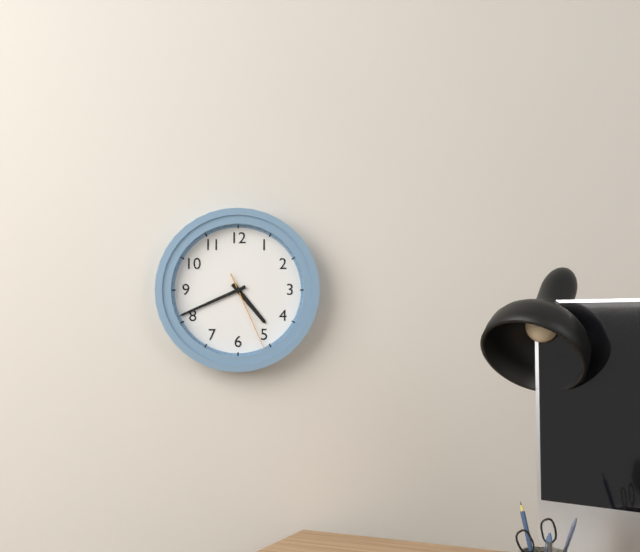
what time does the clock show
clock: 4:41:26
